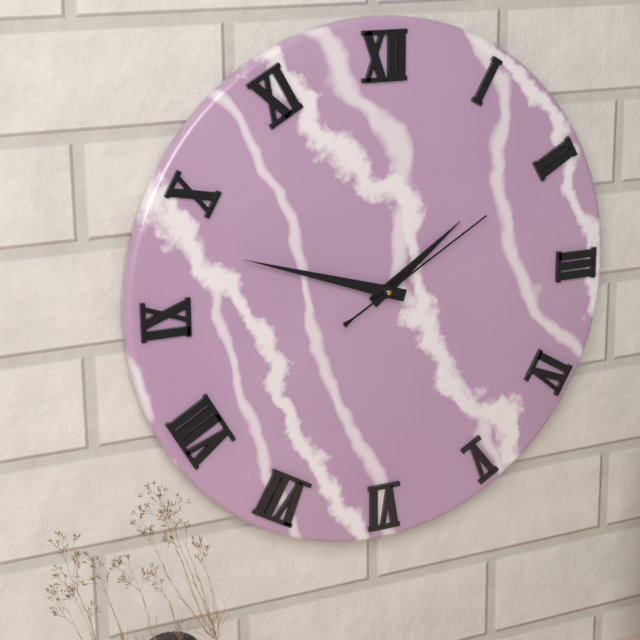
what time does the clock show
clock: 1:48:10
